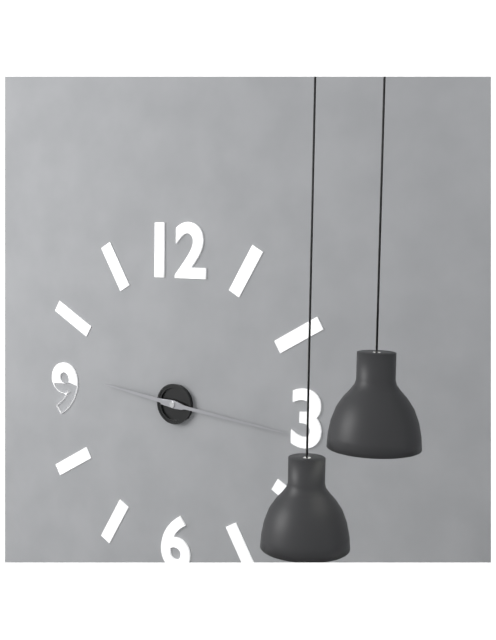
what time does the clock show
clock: 9:16
